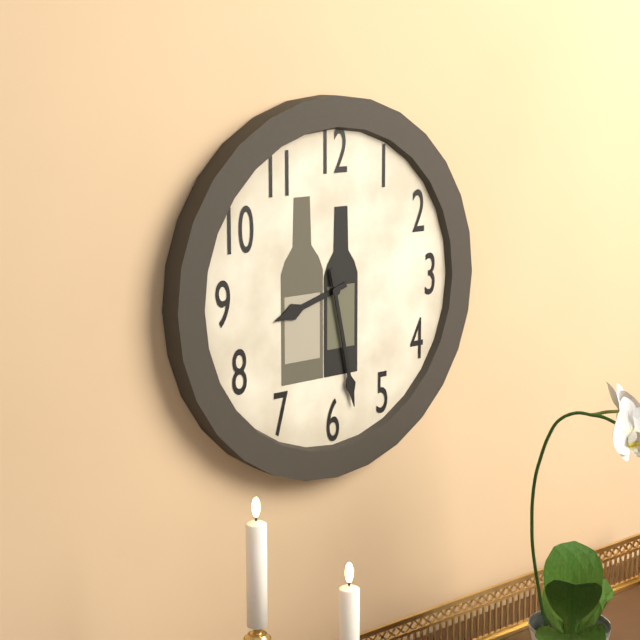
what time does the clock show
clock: 8:28
